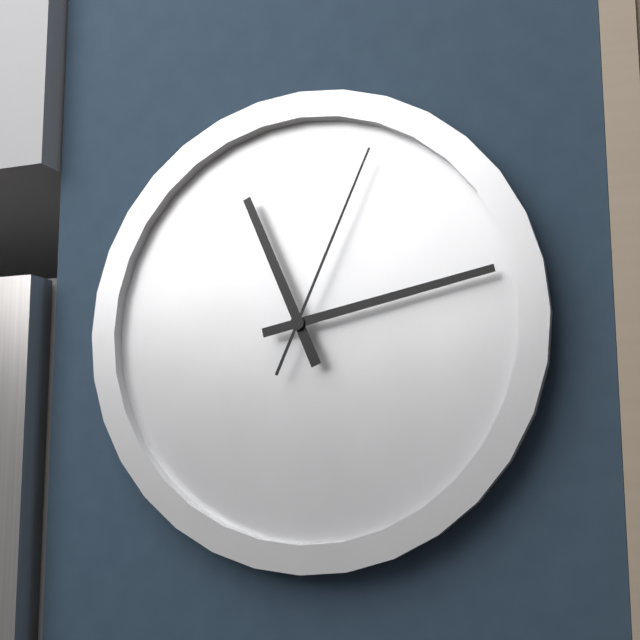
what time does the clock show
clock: 11:13:04
